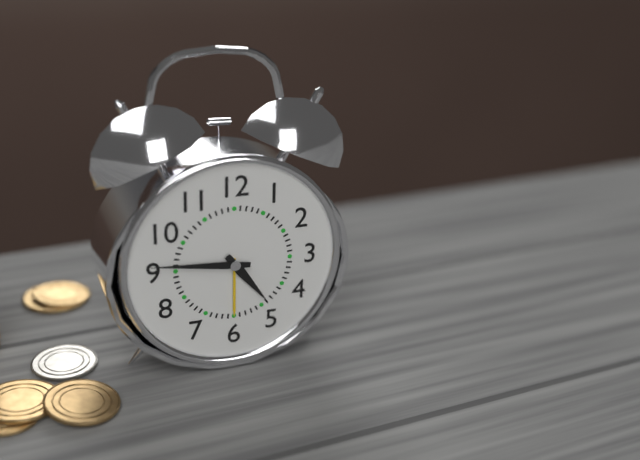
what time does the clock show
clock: 4:46
